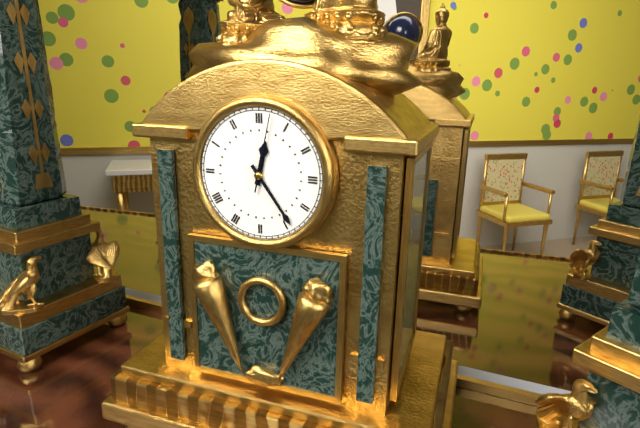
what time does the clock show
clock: 12:24:02
